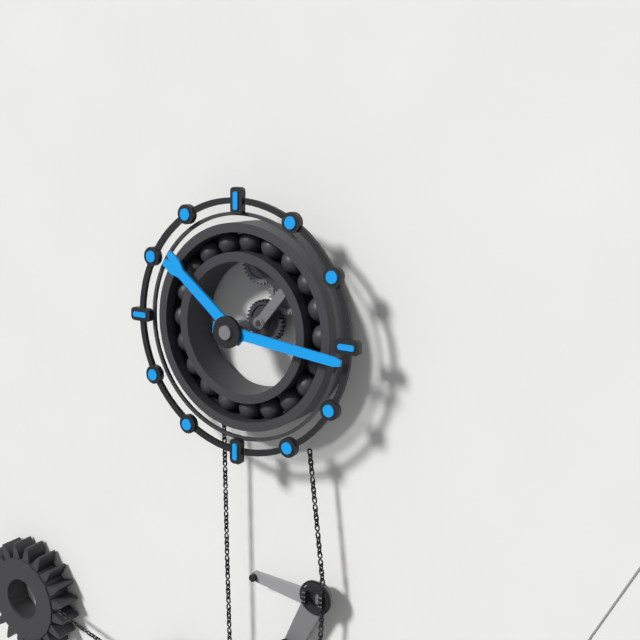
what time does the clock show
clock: 10:16
